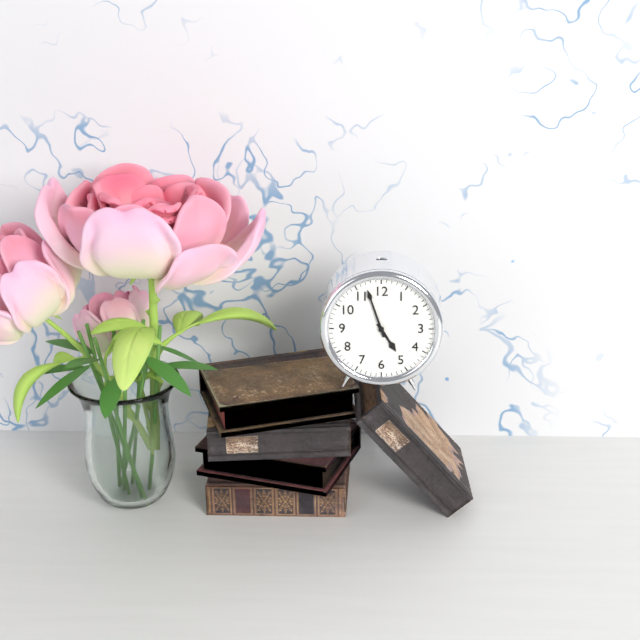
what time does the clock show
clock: 4:57
